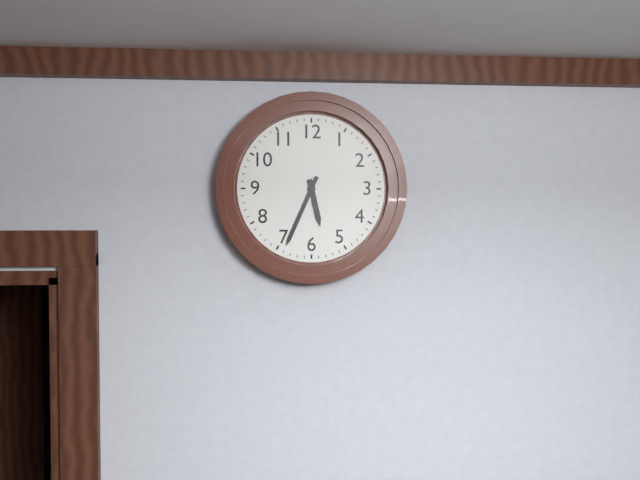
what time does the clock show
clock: 5:34
